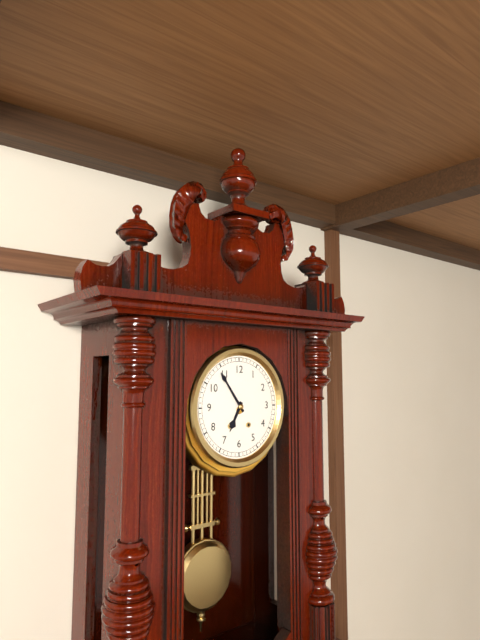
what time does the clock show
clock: 6:54
